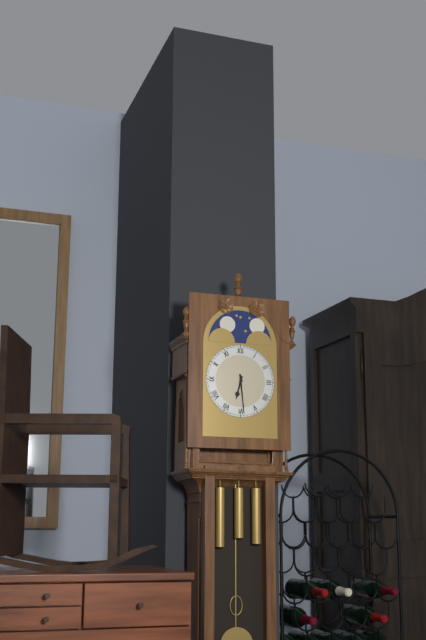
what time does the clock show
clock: 6:29
